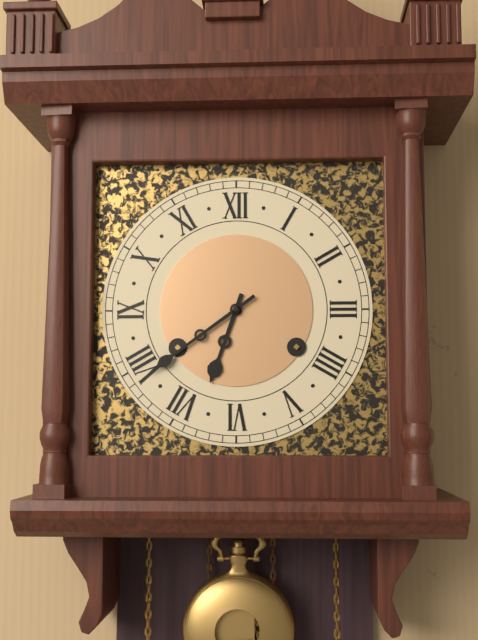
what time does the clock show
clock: 6:39
